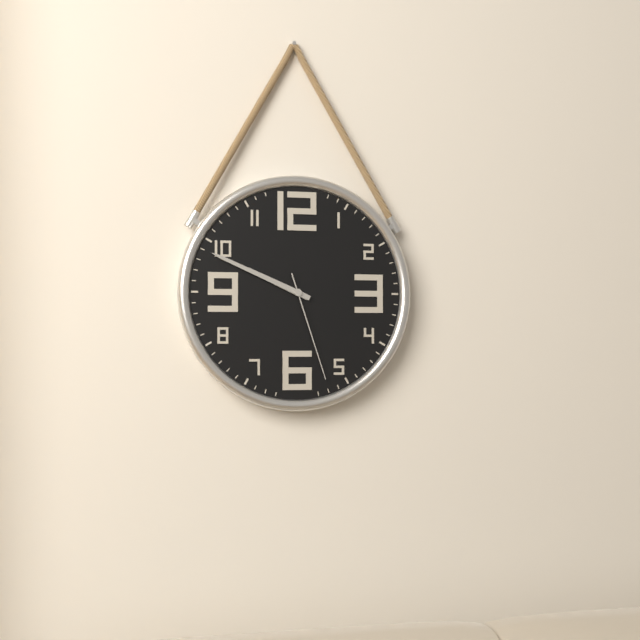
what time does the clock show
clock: 9:49:27
